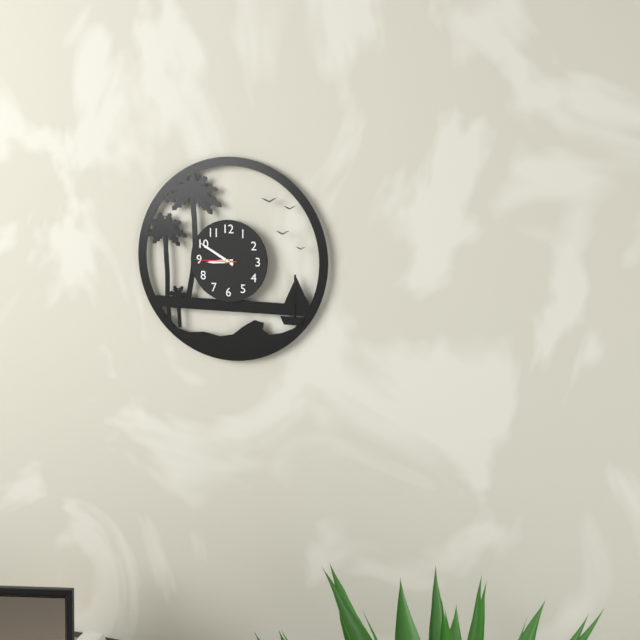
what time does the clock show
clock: 8:50
